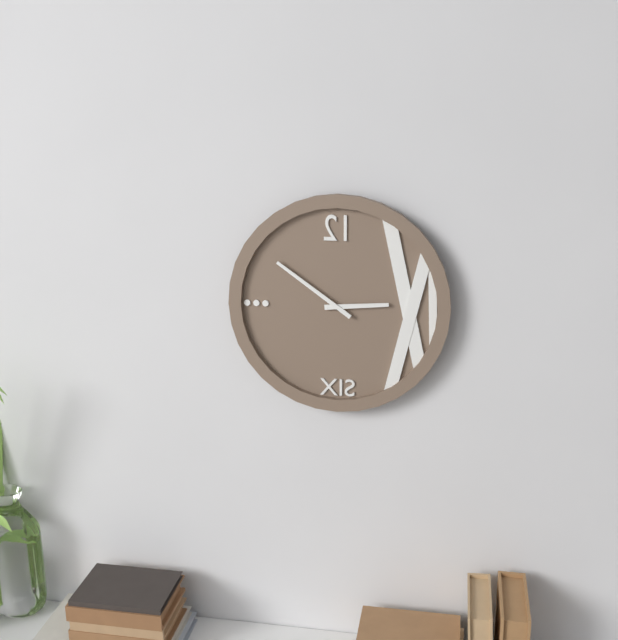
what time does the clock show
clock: 2:51
